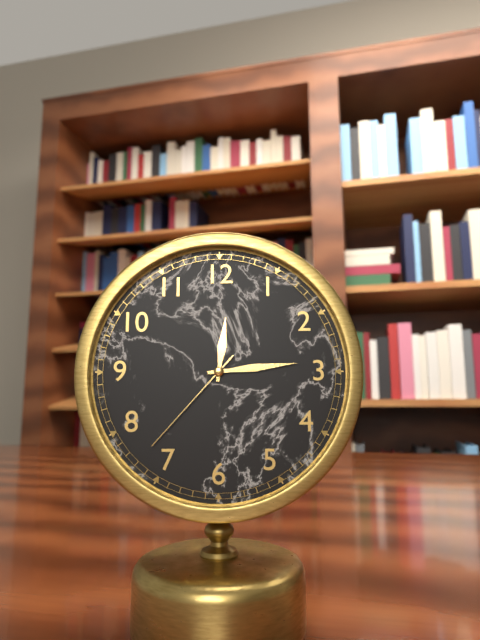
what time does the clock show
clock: 12:14:37
